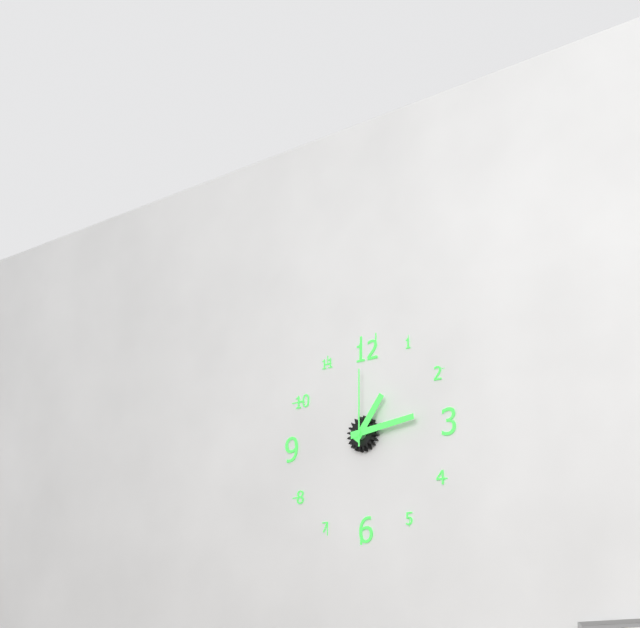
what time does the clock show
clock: 1:14:00
